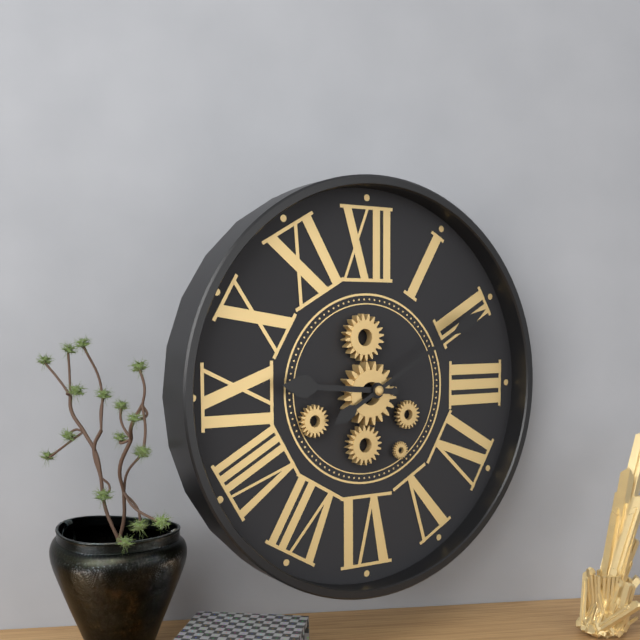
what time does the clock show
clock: 9:10
